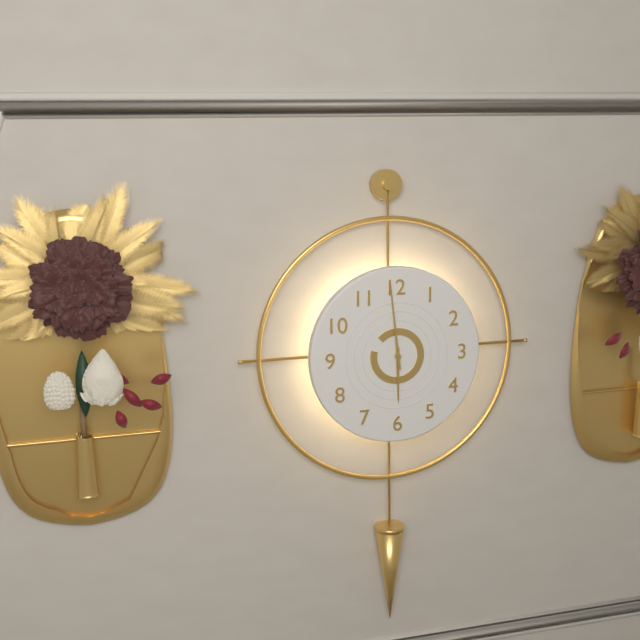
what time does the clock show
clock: 5:59
